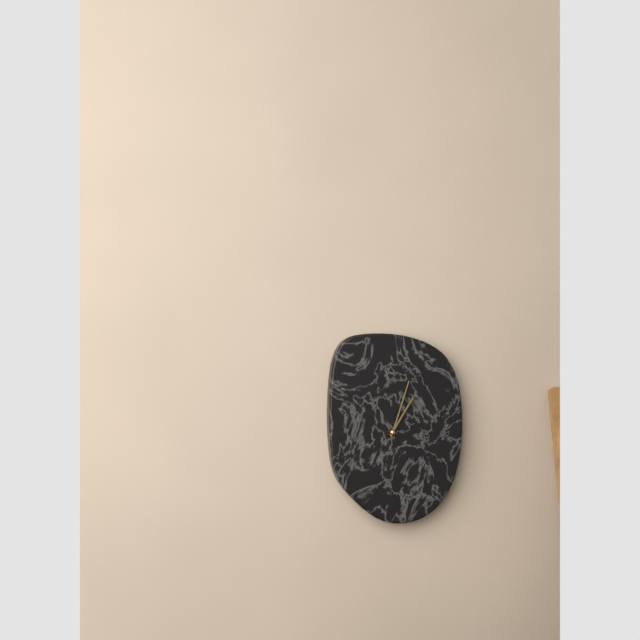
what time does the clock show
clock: 1:03
